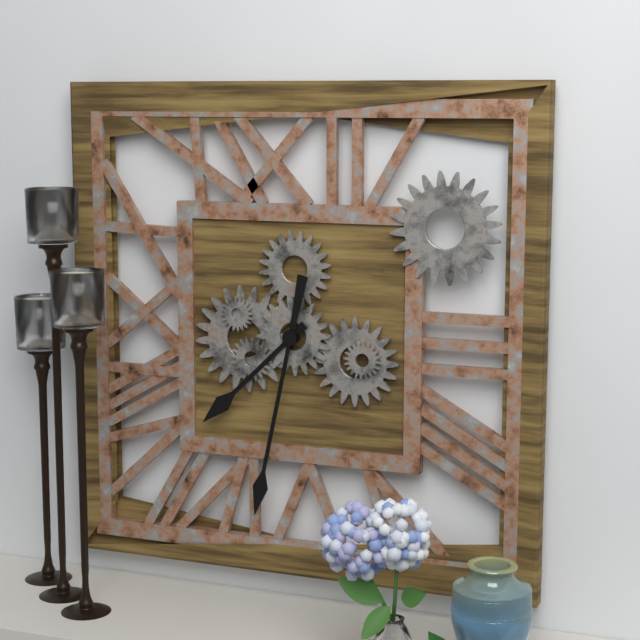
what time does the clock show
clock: 7:32
